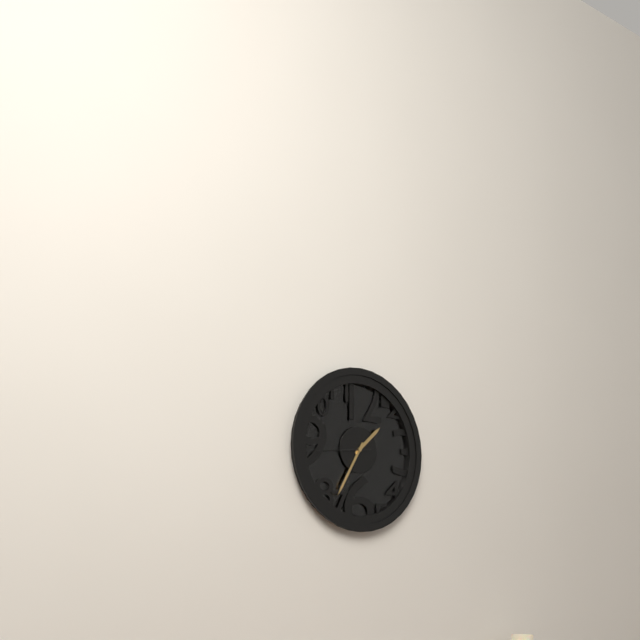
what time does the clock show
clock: 1:35:44
